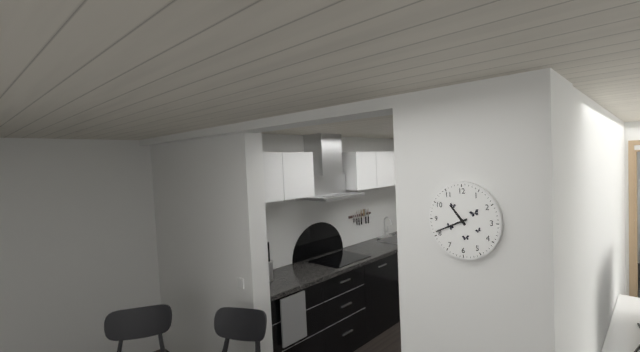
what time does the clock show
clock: 10:41
